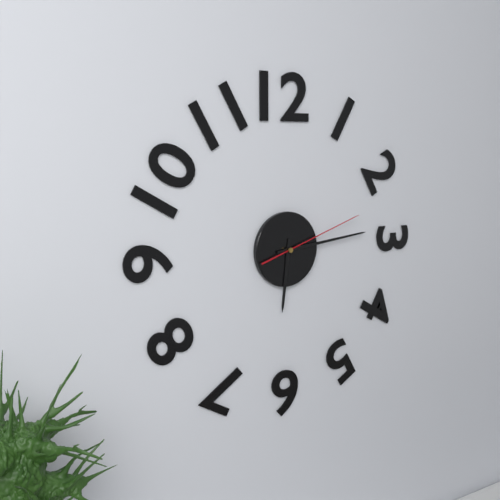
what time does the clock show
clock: 6:14:12
